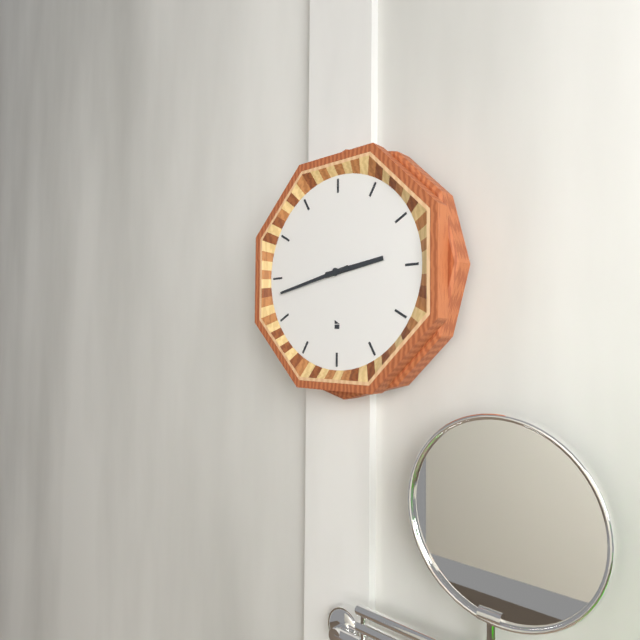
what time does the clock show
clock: 2:43
